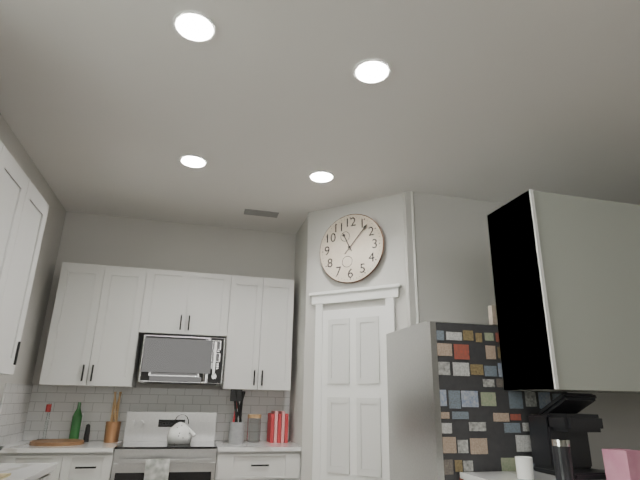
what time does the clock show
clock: 11:07
